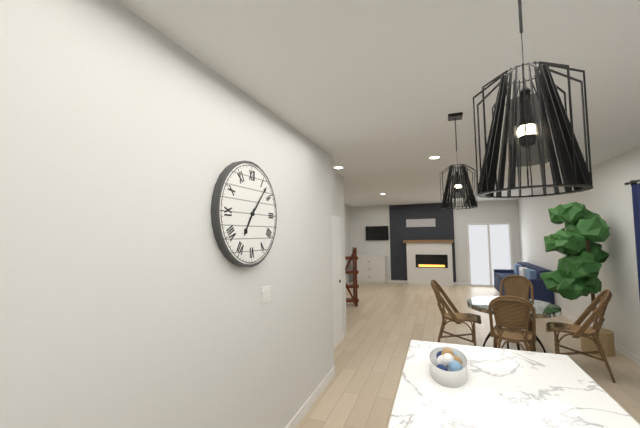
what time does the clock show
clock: 7:07
